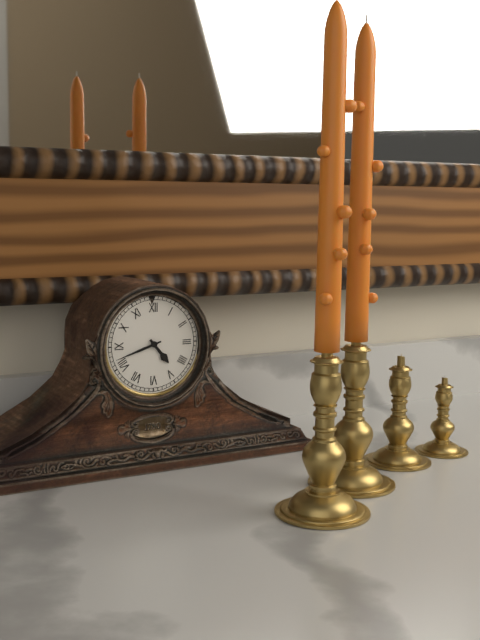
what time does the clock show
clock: 4:42
